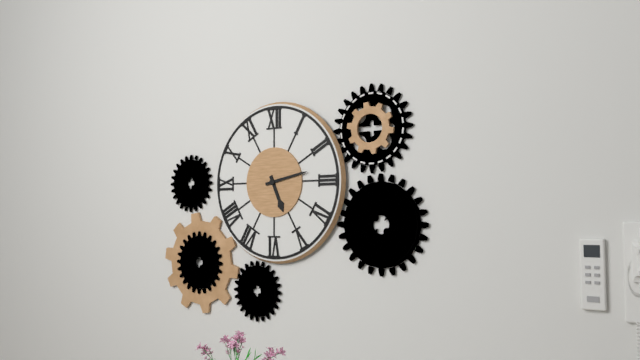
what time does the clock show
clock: 5:13
